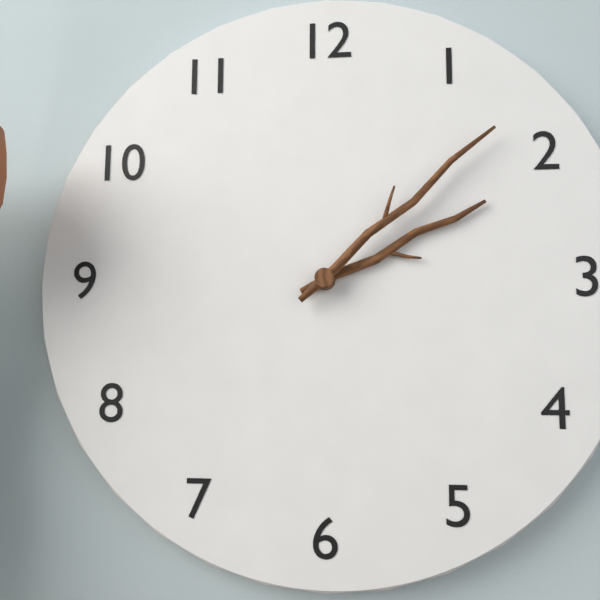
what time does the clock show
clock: 2:08
